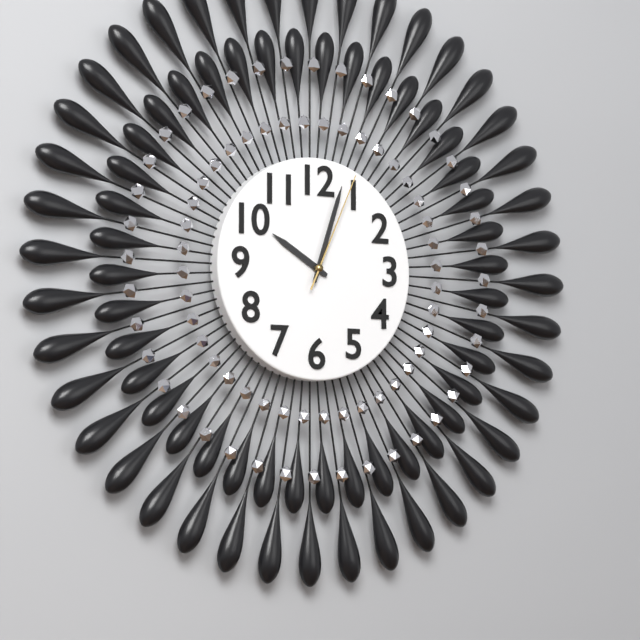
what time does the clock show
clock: 10:03:04
